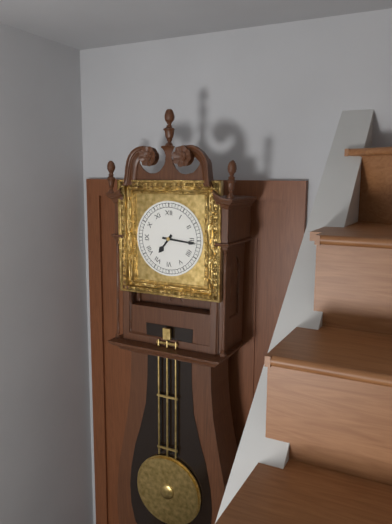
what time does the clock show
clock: 7:16
